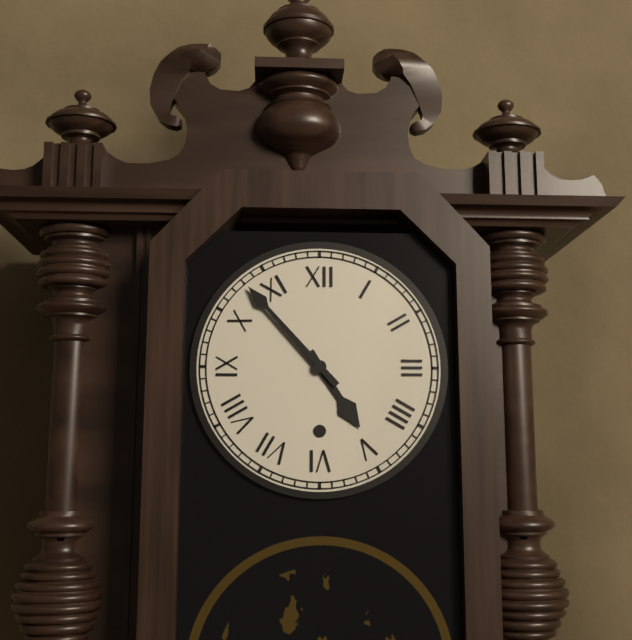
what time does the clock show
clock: 4:53
